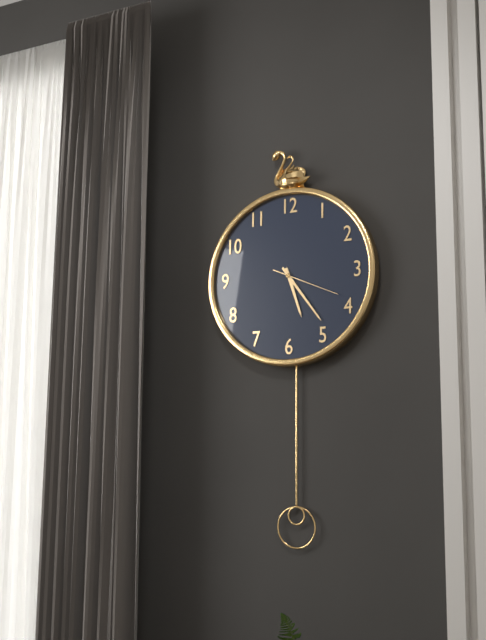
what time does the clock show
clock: 5:24:19
